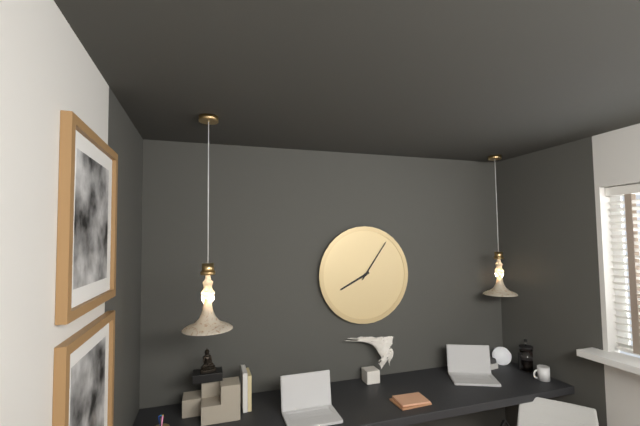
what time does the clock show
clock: 8:06
